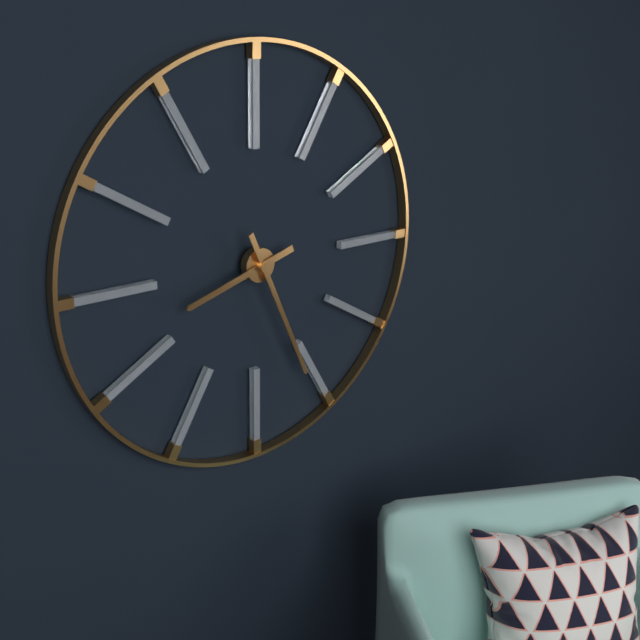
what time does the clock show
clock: 8:26
